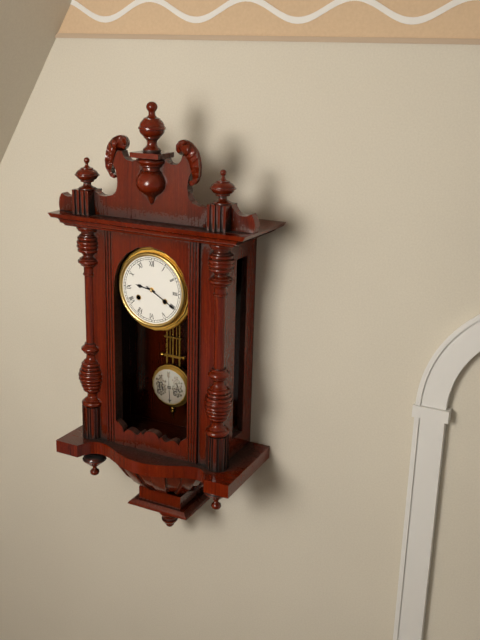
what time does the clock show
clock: 9:20
